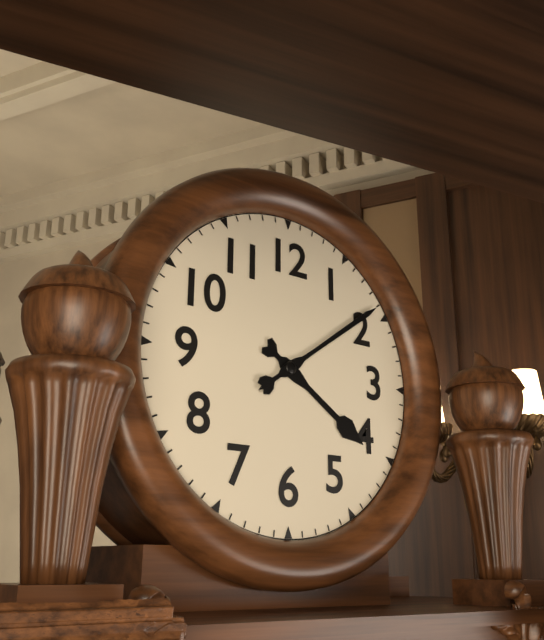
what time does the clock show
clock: 4:09
